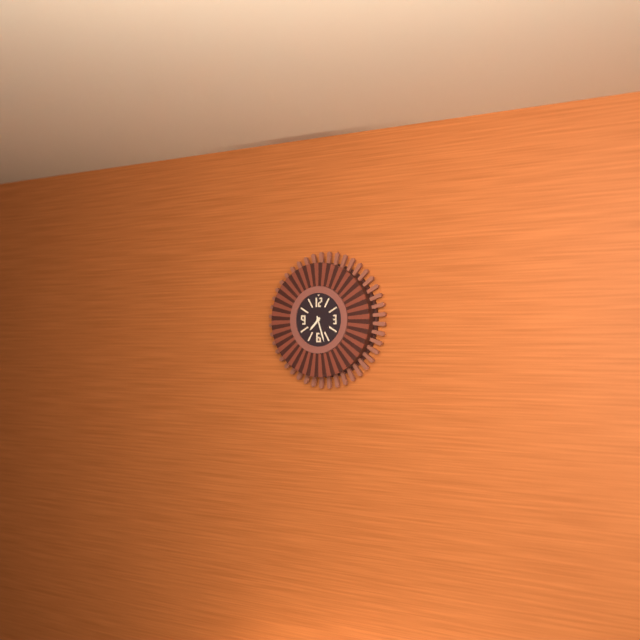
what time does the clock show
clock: 7:27
